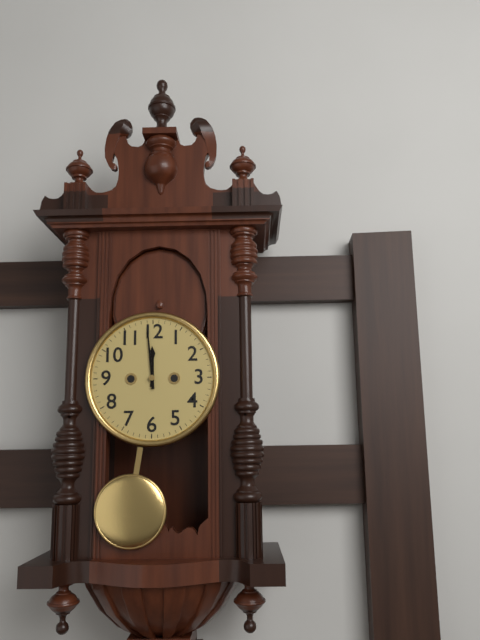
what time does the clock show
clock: 11:59
